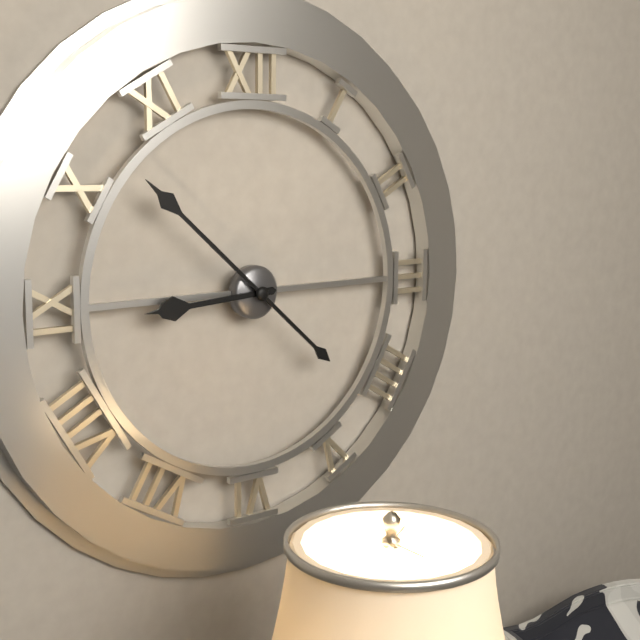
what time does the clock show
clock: 8:52
